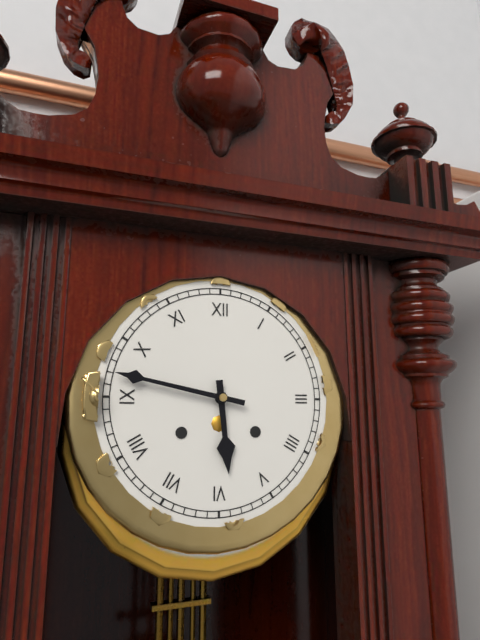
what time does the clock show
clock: 5:47
